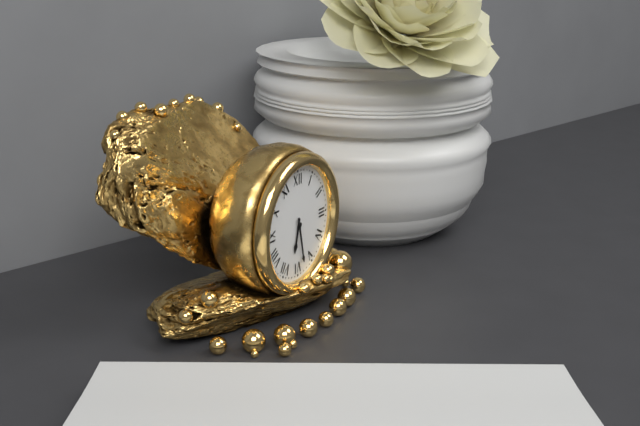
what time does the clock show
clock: 6:28
